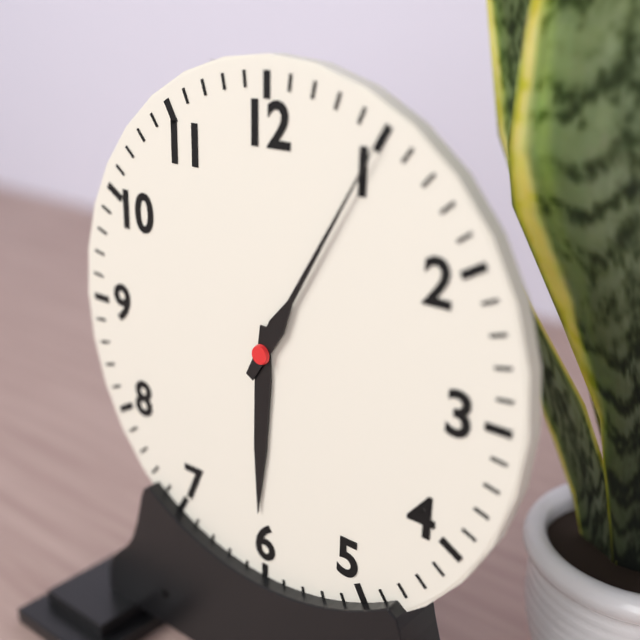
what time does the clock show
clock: 6:05
